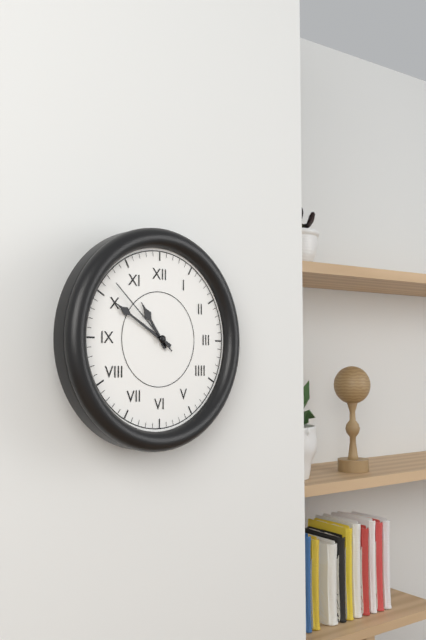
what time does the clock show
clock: 10:50:52
